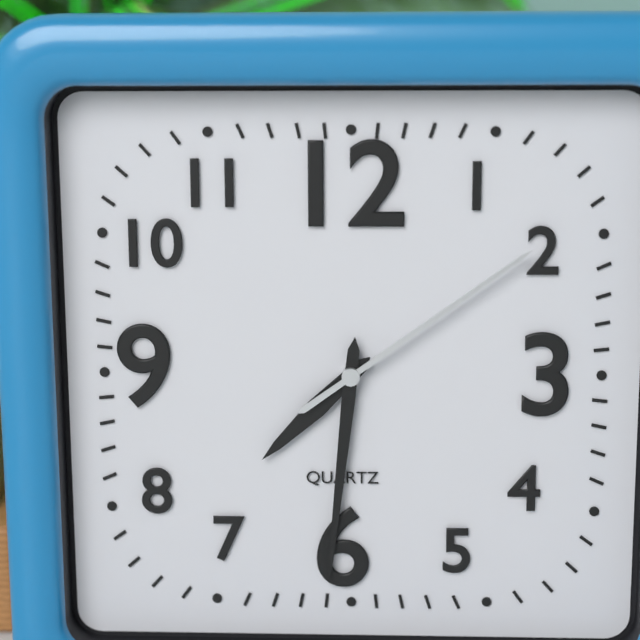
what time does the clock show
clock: 7:31:09
